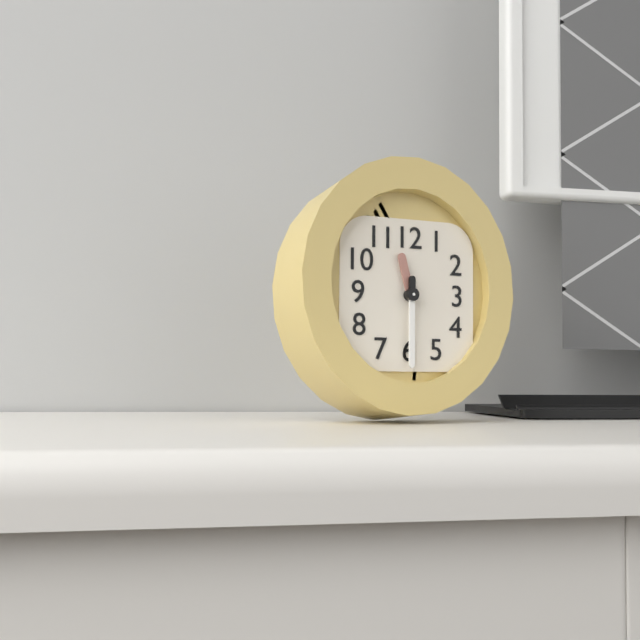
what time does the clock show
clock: 11:30
